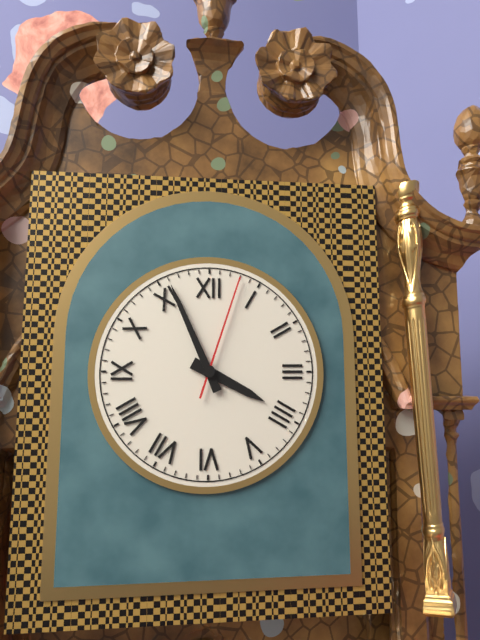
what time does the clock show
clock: 3:56:03
